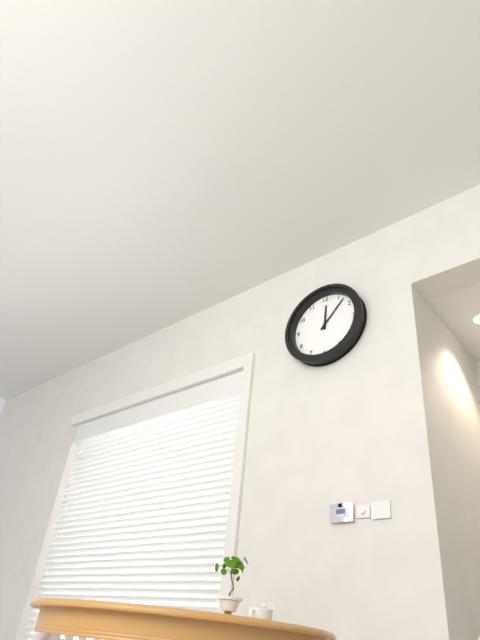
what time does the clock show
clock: 12:07
